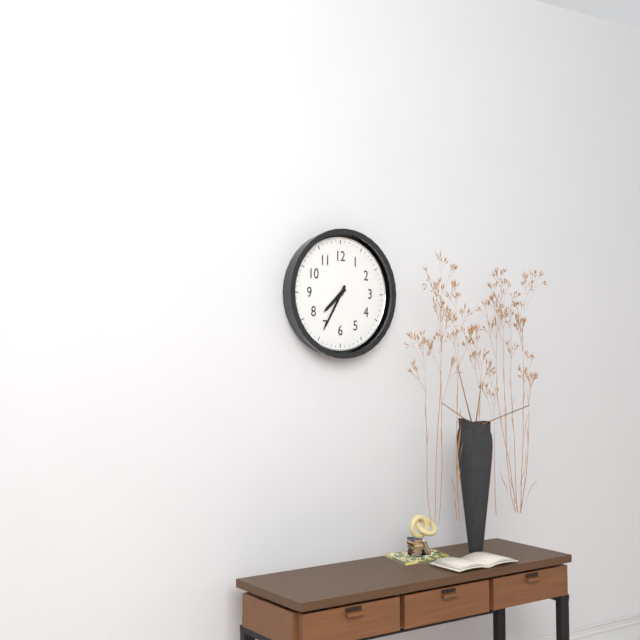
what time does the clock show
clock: 7:35
